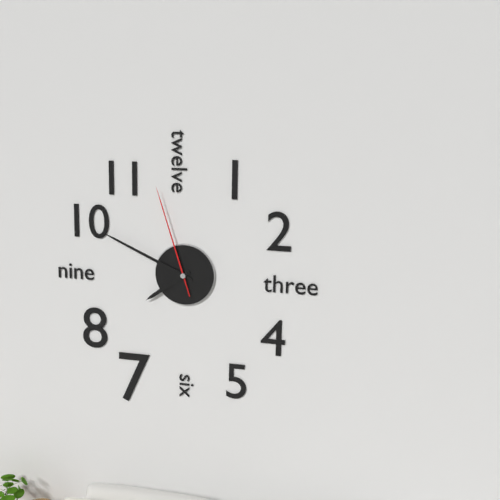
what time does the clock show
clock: 7:49:57
